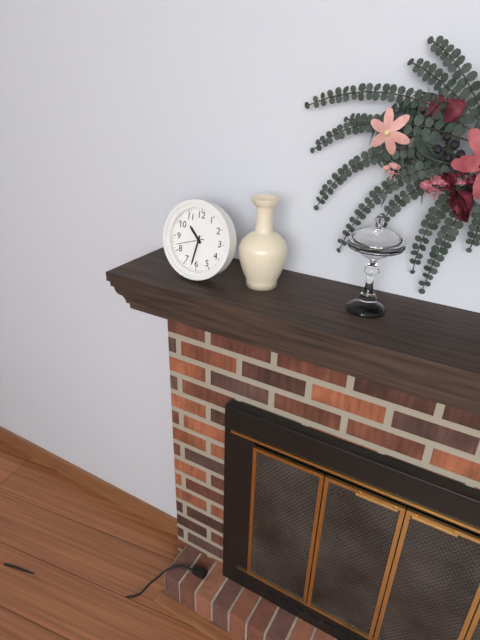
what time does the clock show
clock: 10:32
